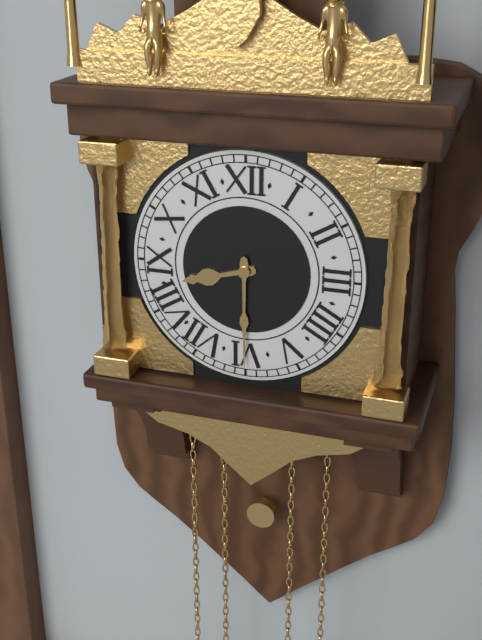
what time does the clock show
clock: 8:30
